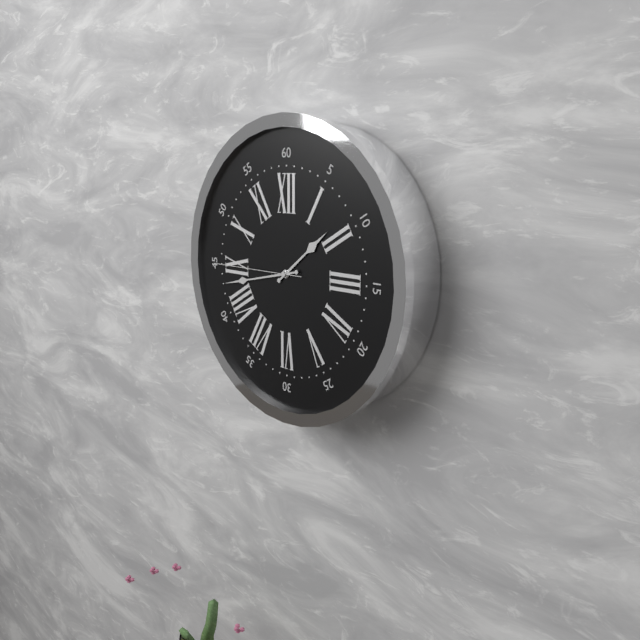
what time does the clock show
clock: 1:43:45
